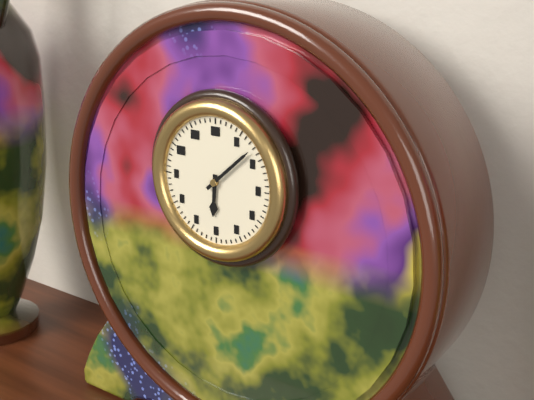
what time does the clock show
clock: 6:08
